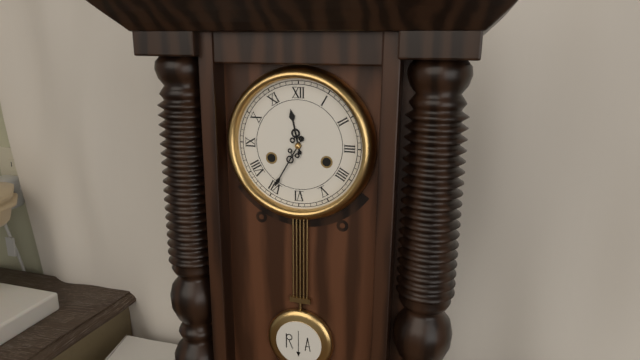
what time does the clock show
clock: 11:35
